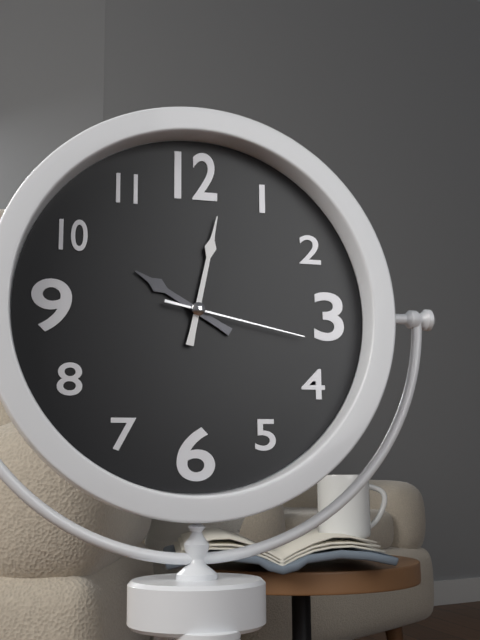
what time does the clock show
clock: 10:02:17
